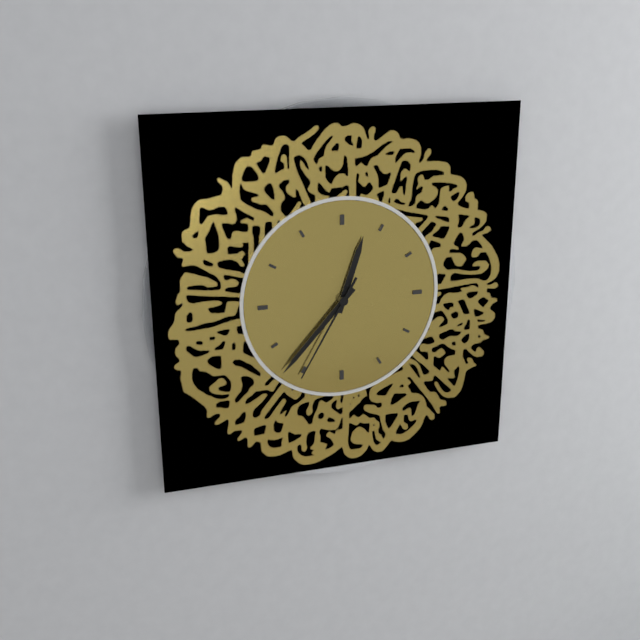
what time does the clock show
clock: 12:37:35
